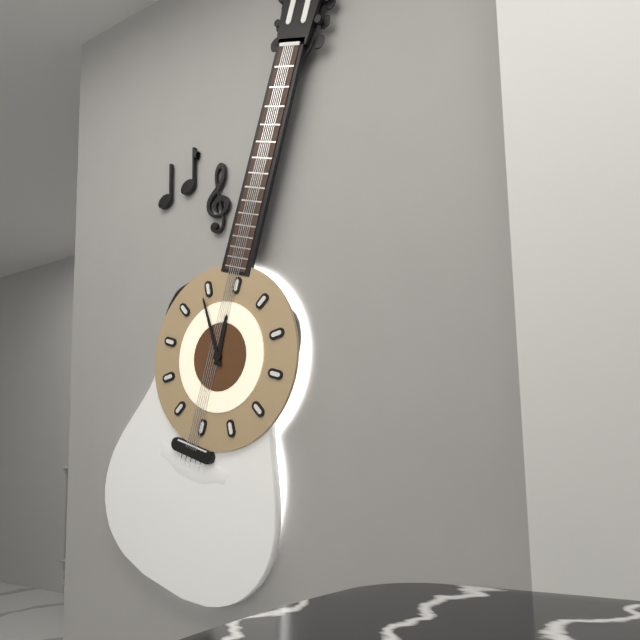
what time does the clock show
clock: 11:54
